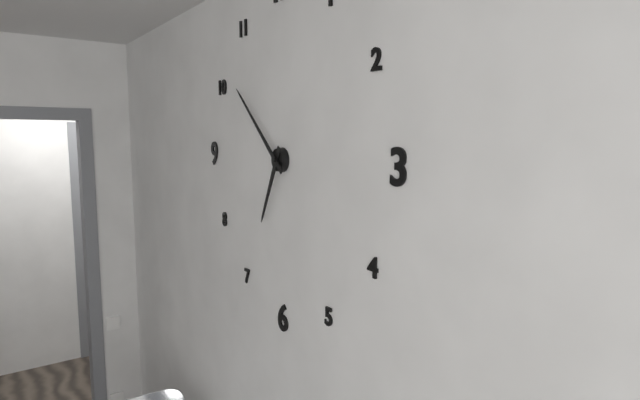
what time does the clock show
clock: 6:52
